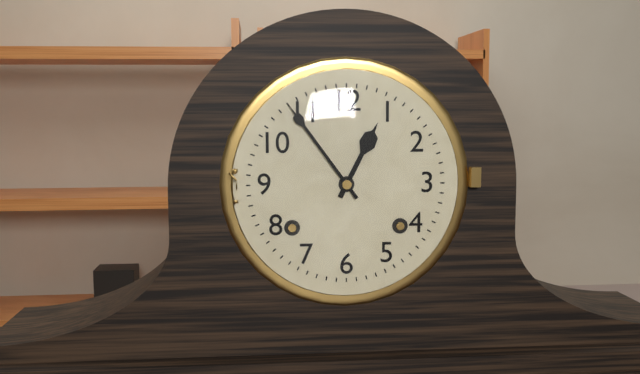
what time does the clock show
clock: 12:54
